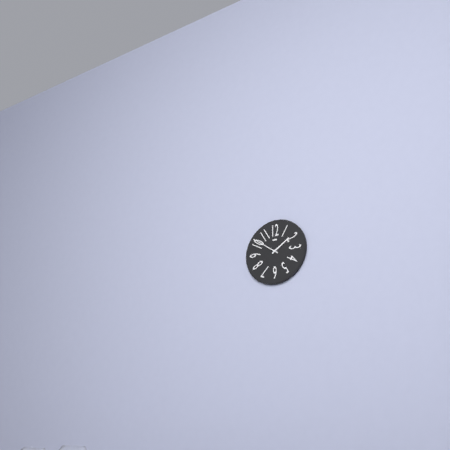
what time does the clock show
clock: 1:51
